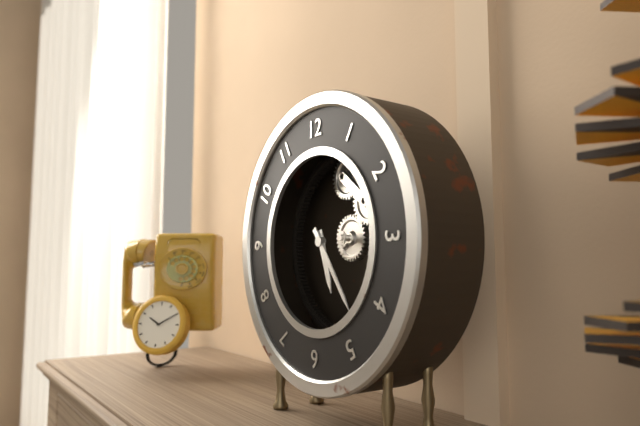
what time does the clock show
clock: 5:24
